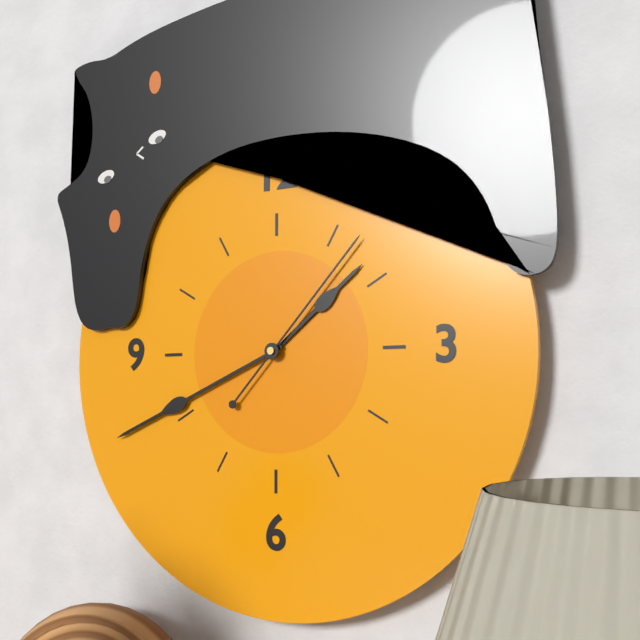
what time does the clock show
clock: 1:41:07
